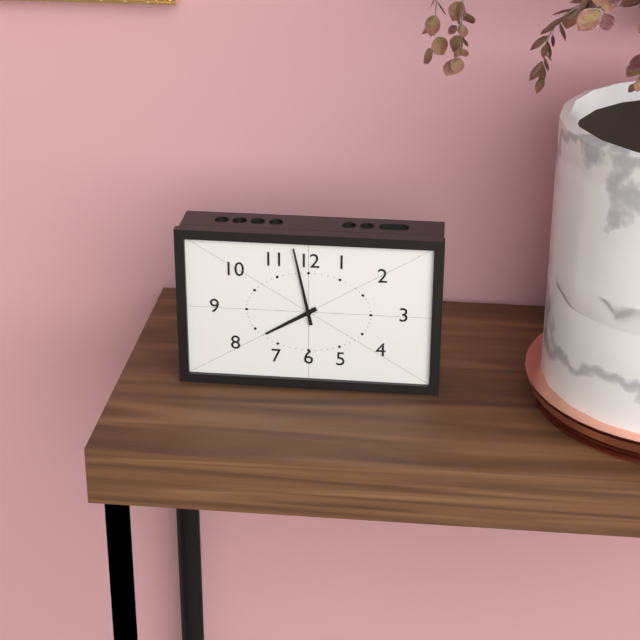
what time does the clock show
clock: 7:58
